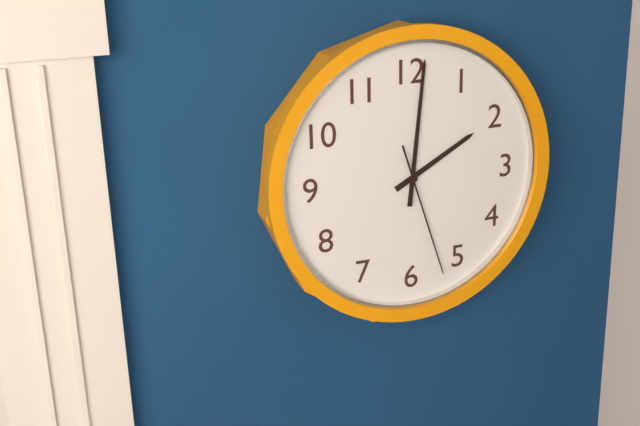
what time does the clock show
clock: 2:01:27
